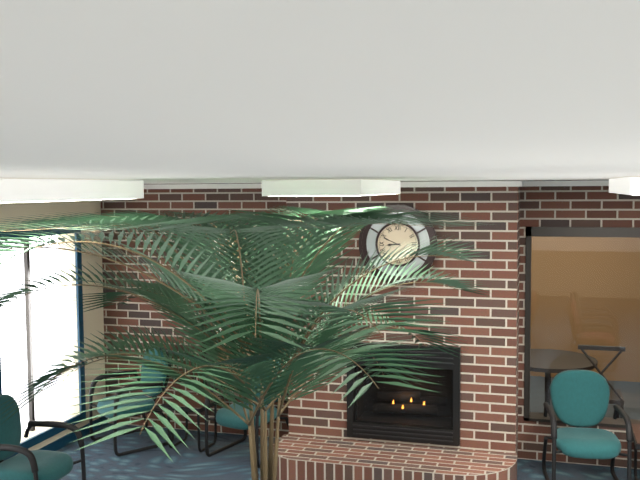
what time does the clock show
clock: 8:49
